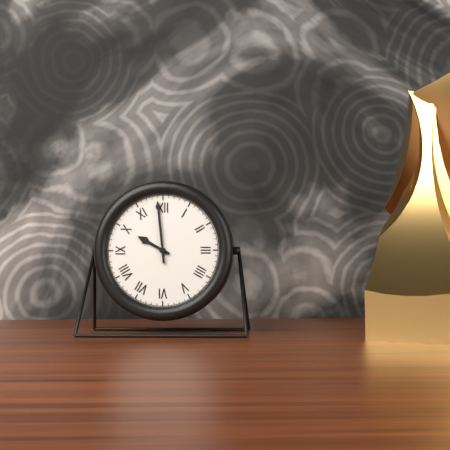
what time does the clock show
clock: 9:59
